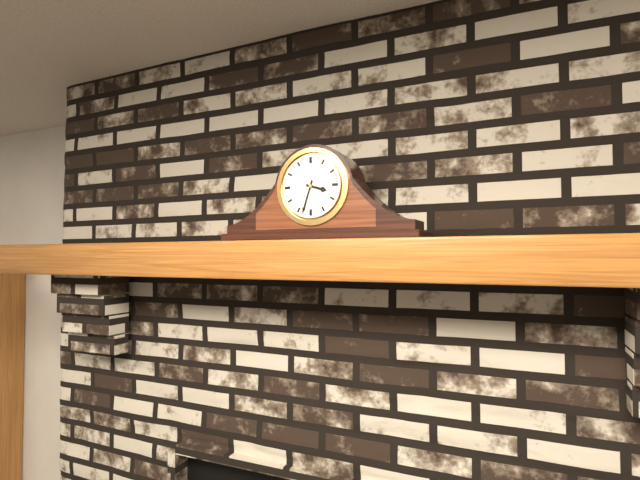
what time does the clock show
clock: 3:33
